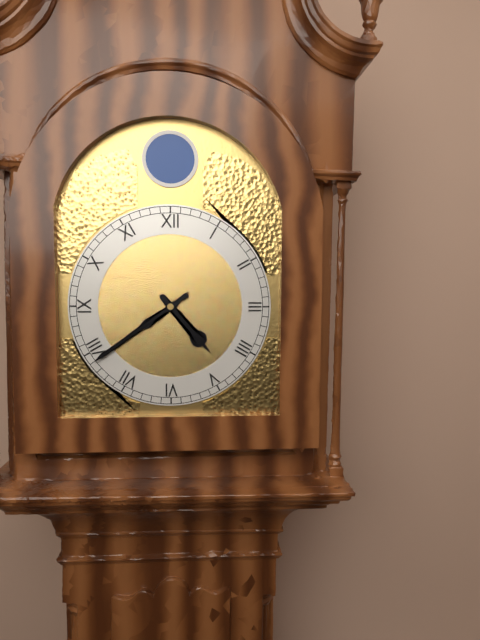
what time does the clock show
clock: 4:39
